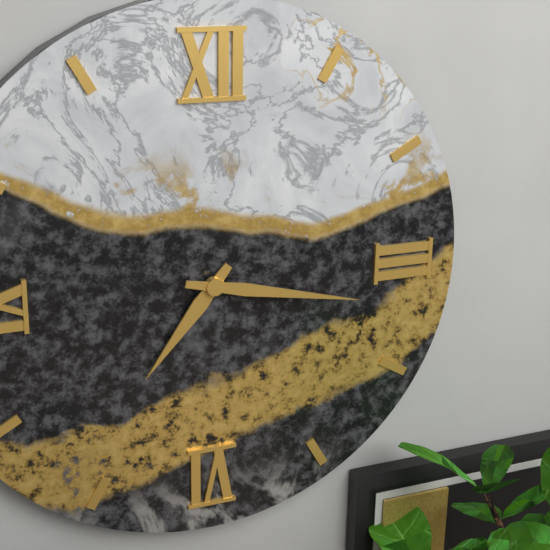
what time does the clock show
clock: 7:17
